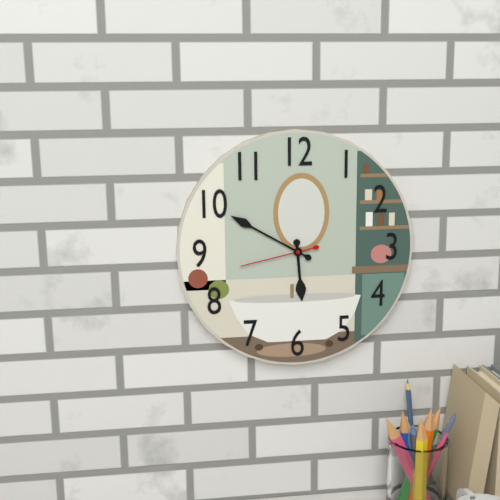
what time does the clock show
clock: 5:50:43
